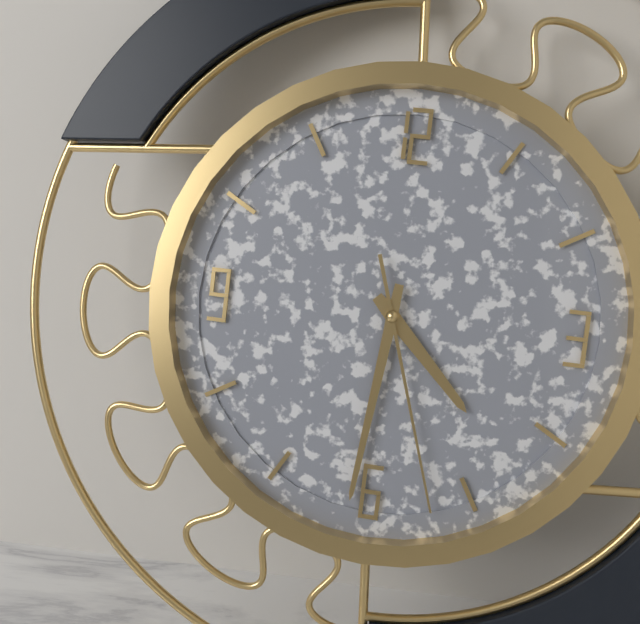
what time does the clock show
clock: 4:31:27
